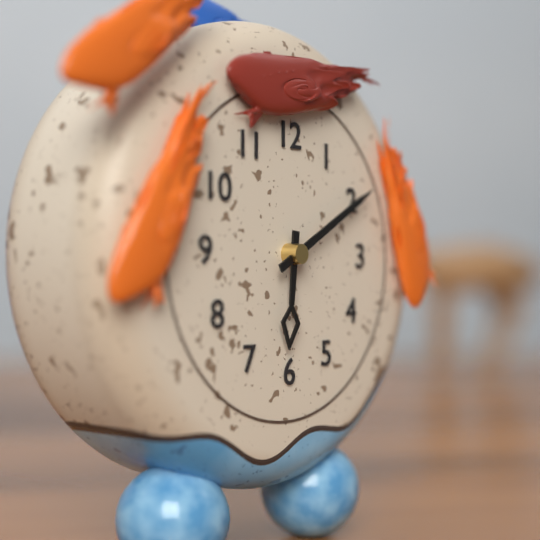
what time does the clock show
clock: 6:10
